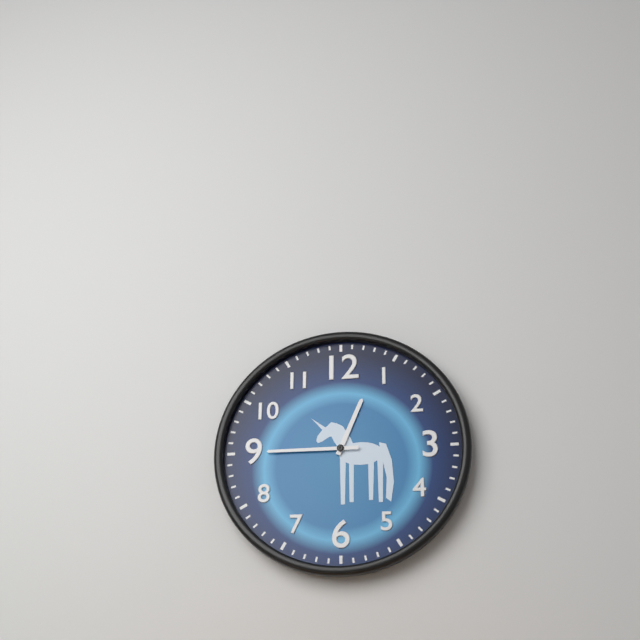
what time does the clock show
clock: 12:45
